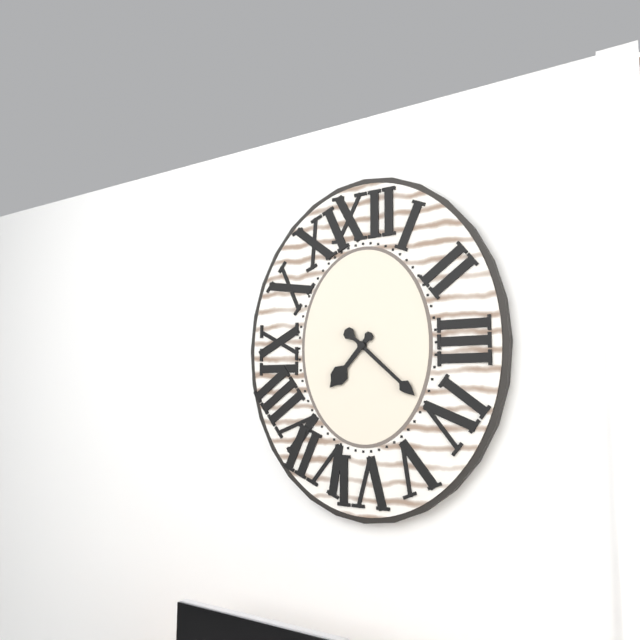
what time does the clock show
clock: 7:22
